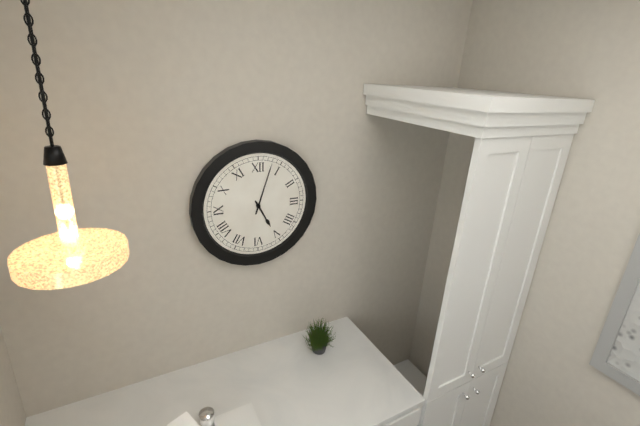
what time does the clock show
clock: 5:03
